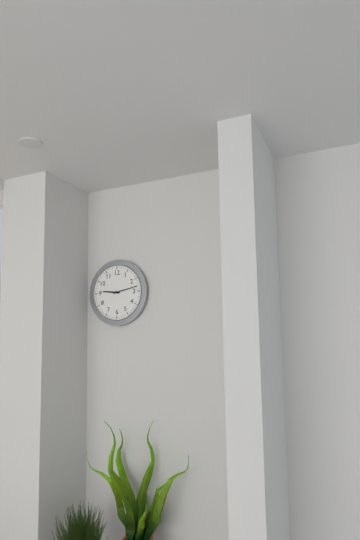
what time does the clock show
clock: 9:13
